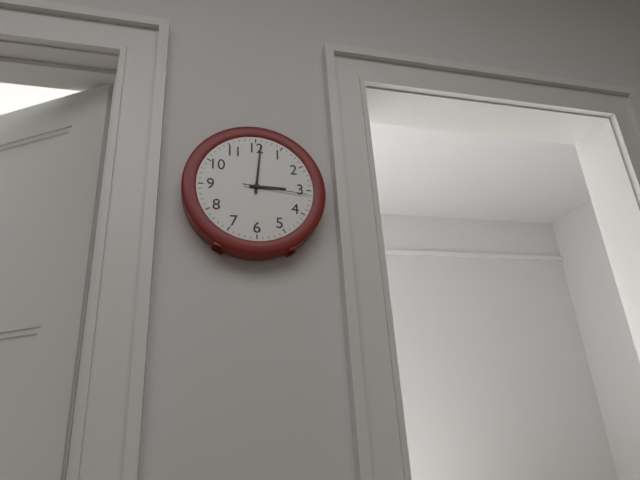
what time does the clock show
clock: 3:01:16
